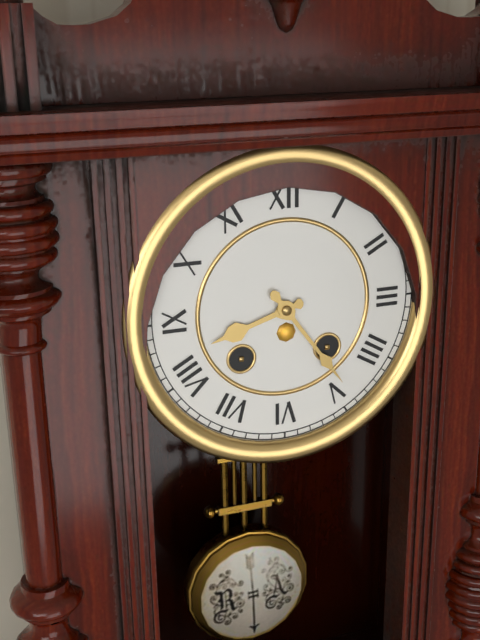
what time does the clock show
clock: 8:24
